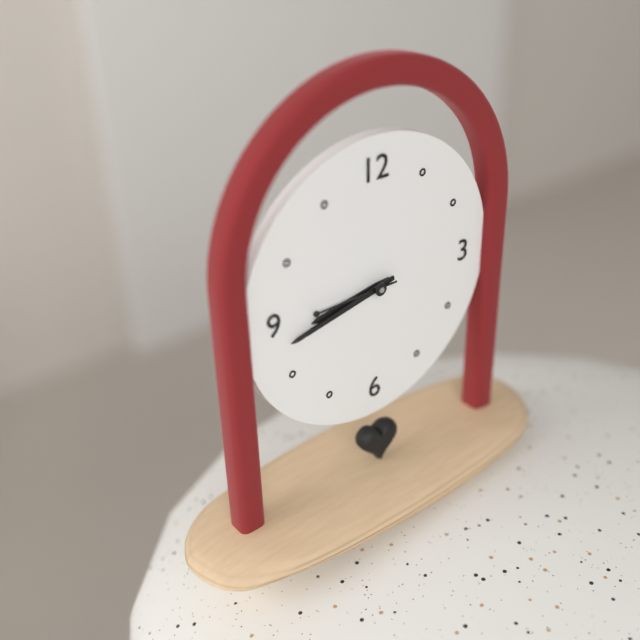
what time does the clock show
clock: 8:43:45
